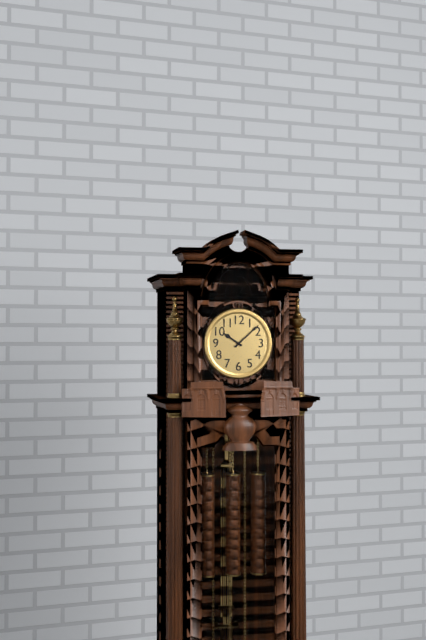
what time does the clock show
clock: 10:08
